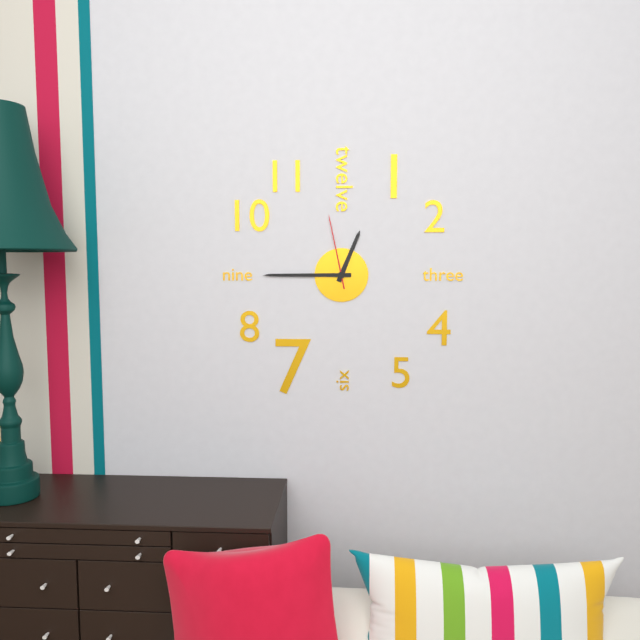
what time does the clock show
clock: 12:45:58
